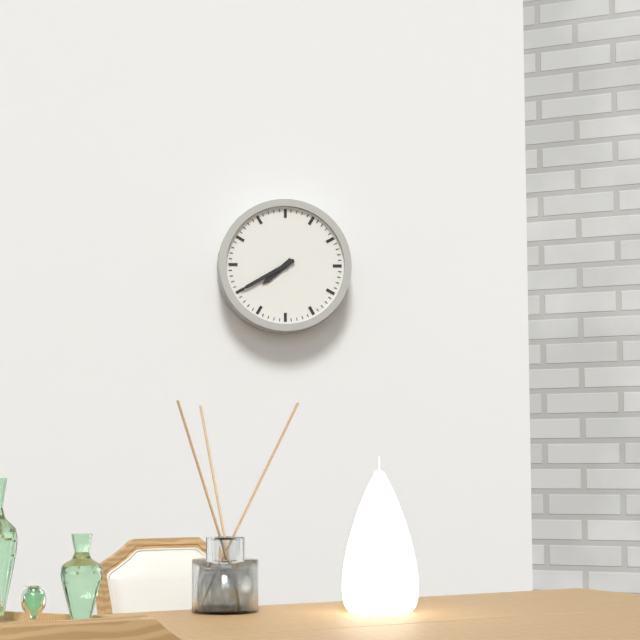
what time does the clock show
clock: 7:40
